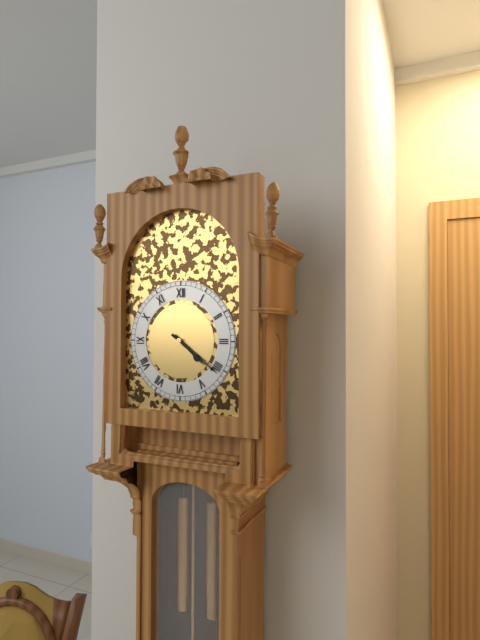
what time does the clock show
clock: 4:21
